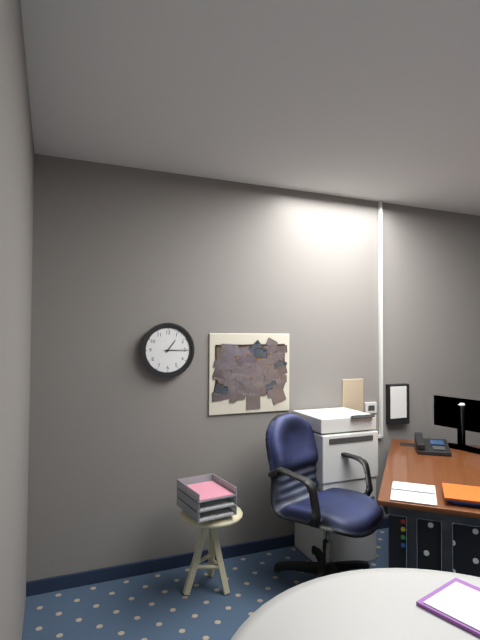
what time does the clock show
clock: 1:15
